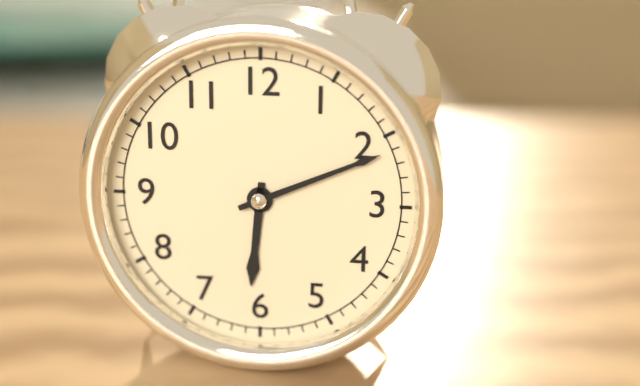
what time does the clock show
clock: 6:11
